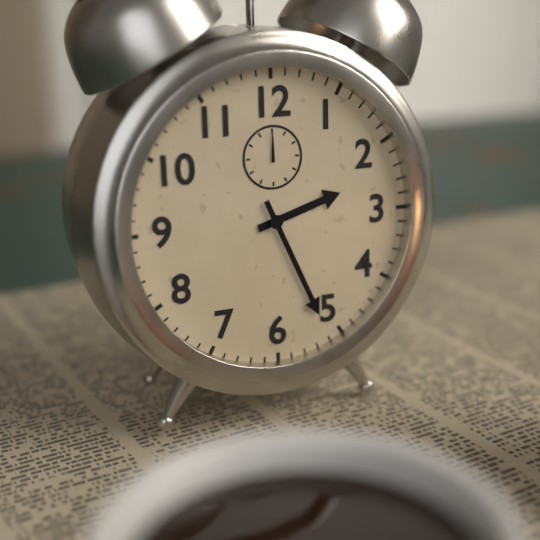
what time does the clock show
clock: 2:26
